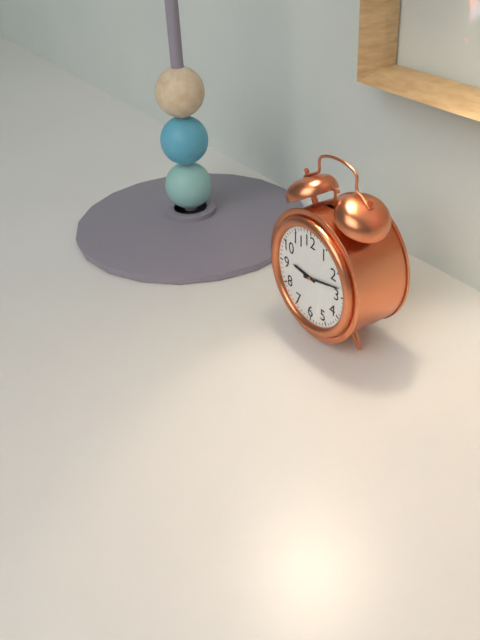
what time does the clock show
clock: 9:13
